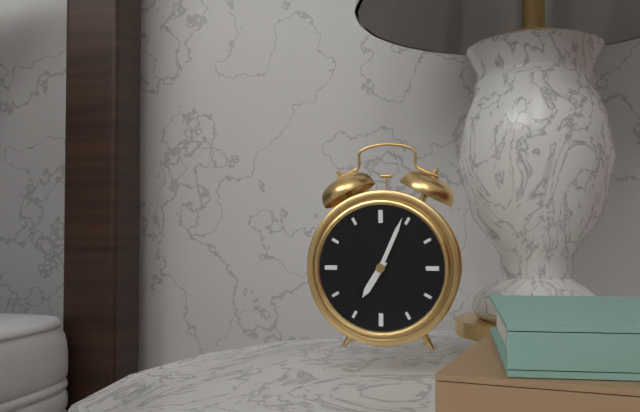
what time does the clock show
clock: 7:04
